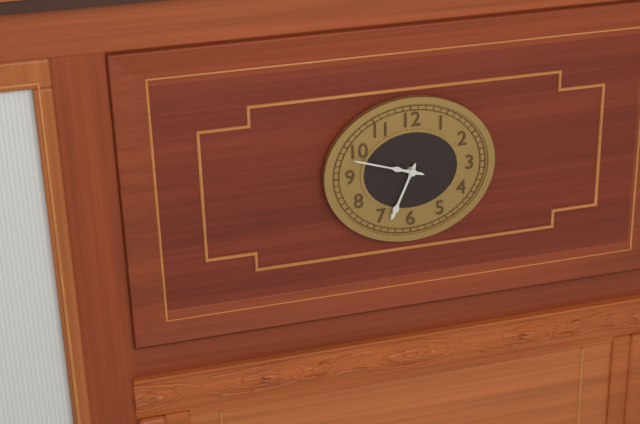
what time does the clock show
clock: 6:48
